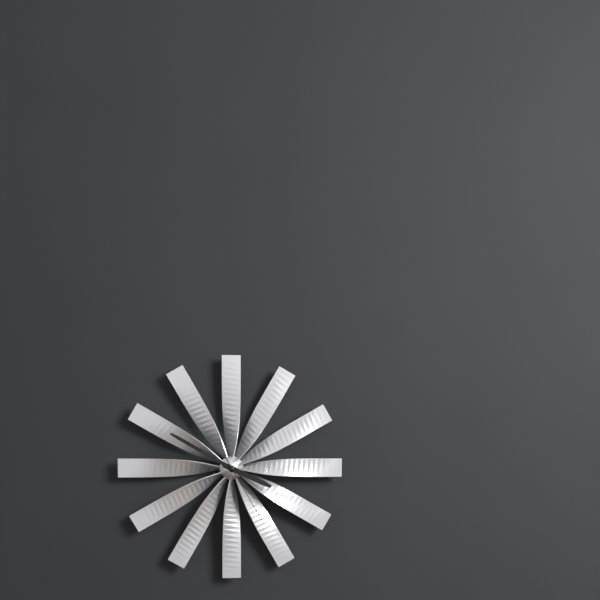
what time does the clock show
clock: 3:50:25
